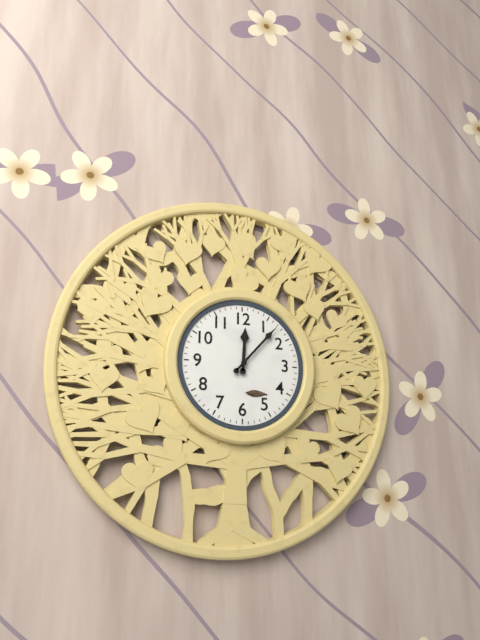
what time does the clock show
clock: 12:07
